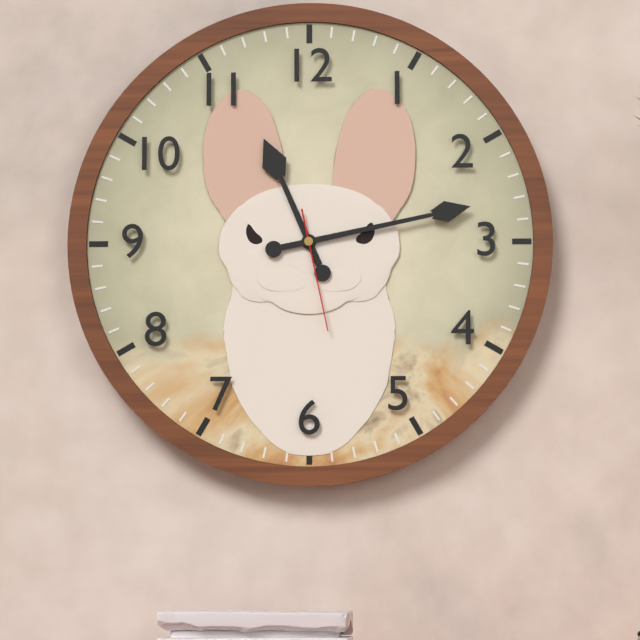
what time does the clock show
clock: 11:13:28
